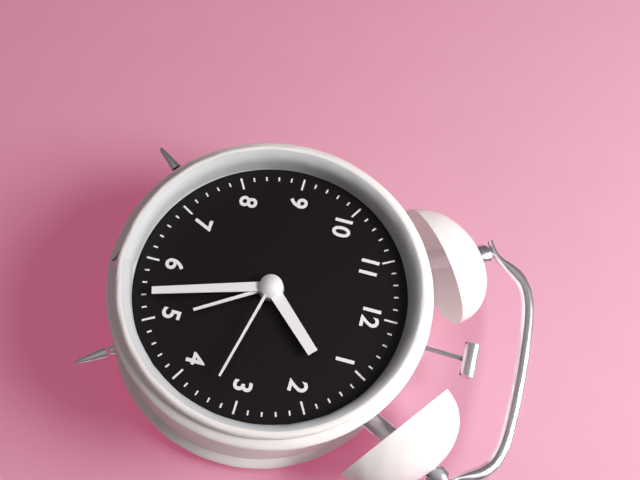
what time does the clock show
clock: 1:27:17
